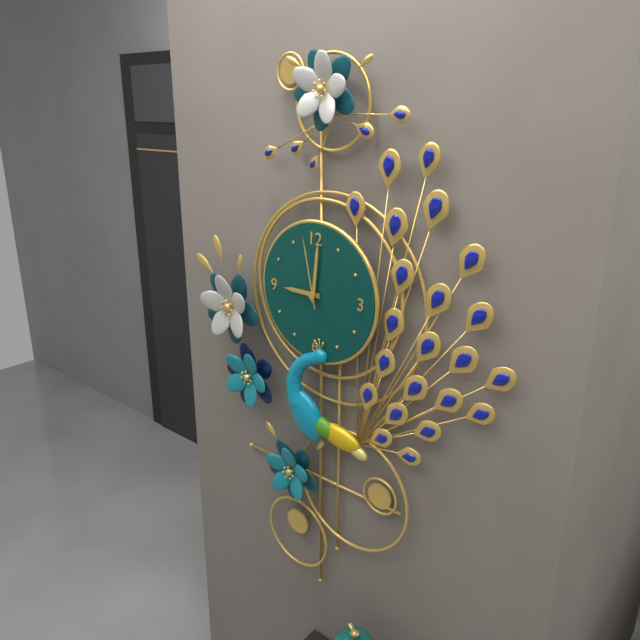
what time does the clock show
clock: 9:01:58
